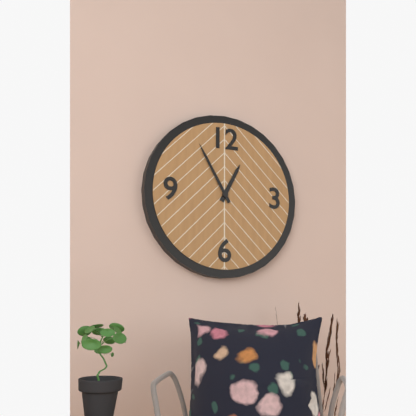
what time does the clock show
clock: 12:55
